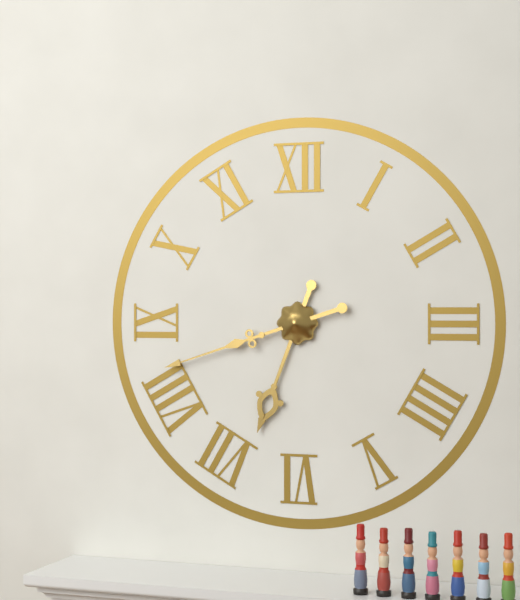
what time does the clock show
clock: 6:42
